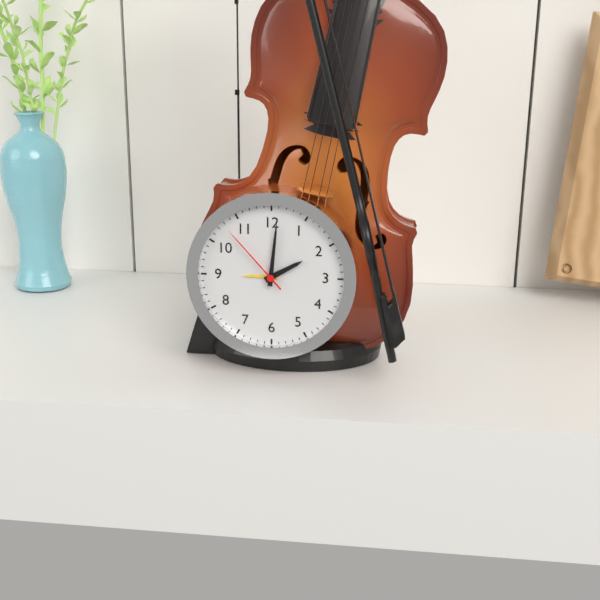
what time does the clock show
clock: 2:01:53
